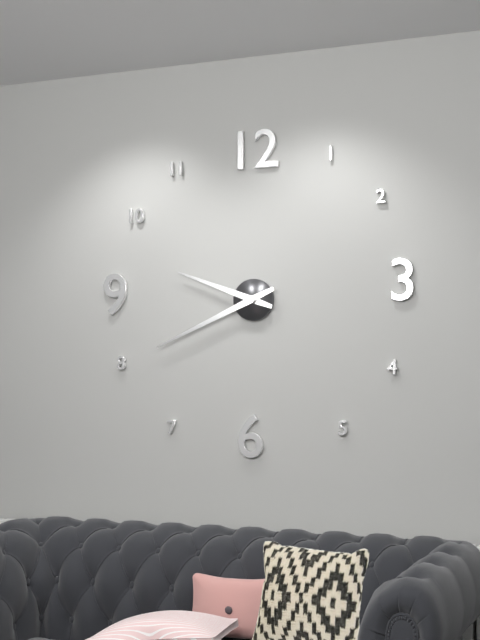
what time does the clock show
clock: 9:41
